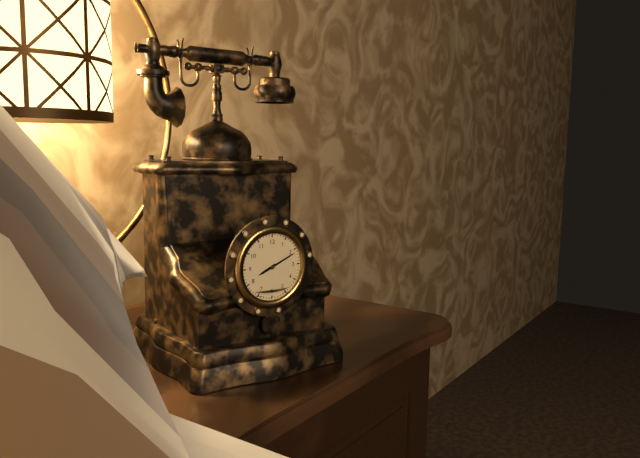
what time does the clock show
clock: 8:11
